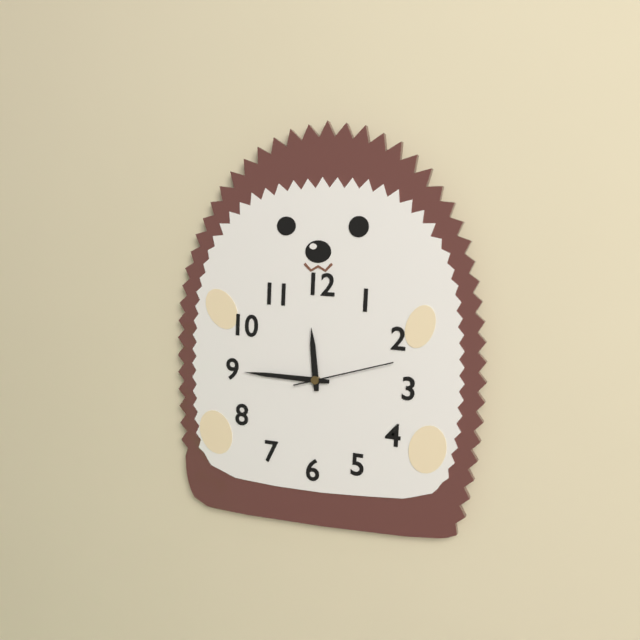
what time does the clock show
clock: 11:45:12
